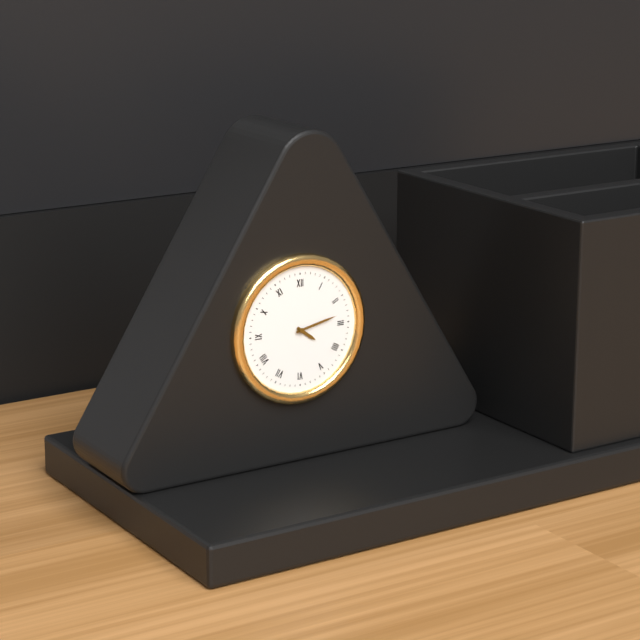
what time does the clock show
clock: 4:13
